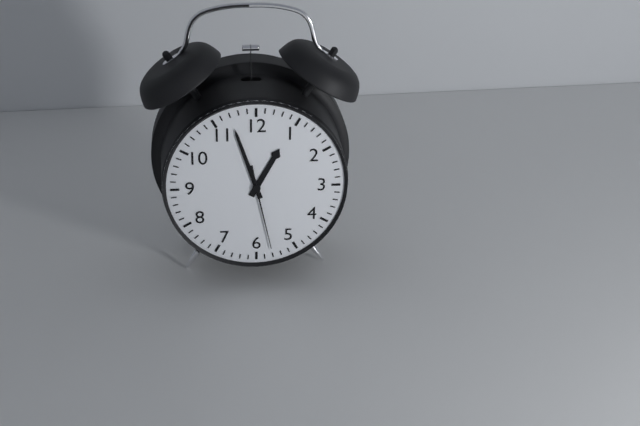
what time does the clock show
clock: 12:57:28
